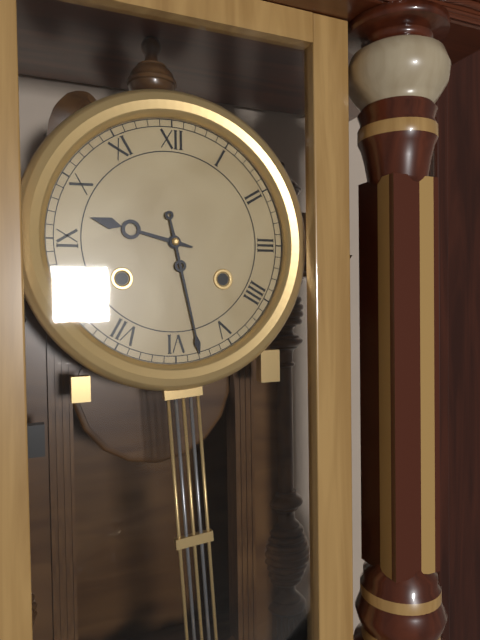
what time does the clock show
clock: 9:28
